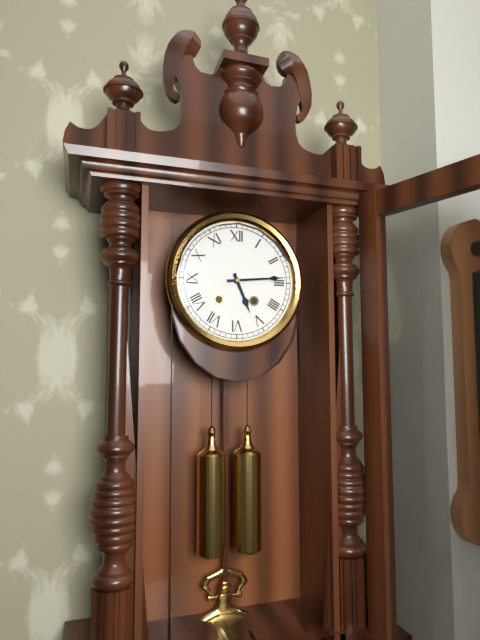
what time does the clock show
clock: 5:14
